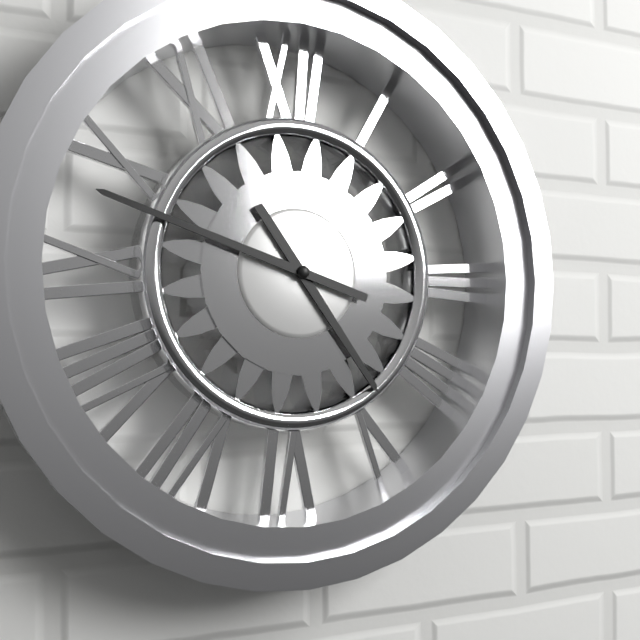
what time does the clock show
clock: 4:48
